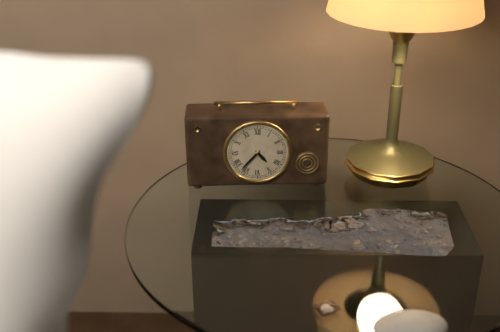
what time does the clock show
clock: 4:37
